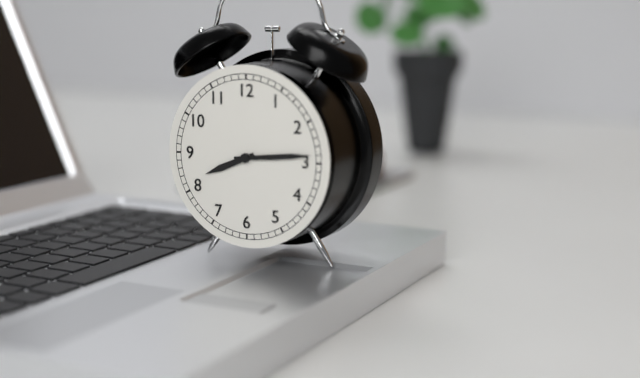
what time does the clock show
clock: 8:14
